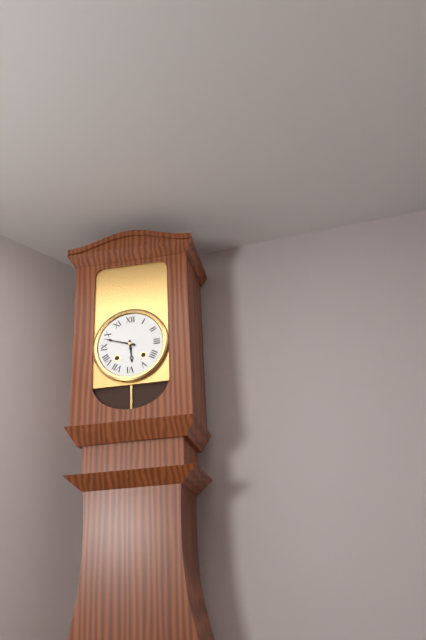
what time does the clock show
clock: 5:48
